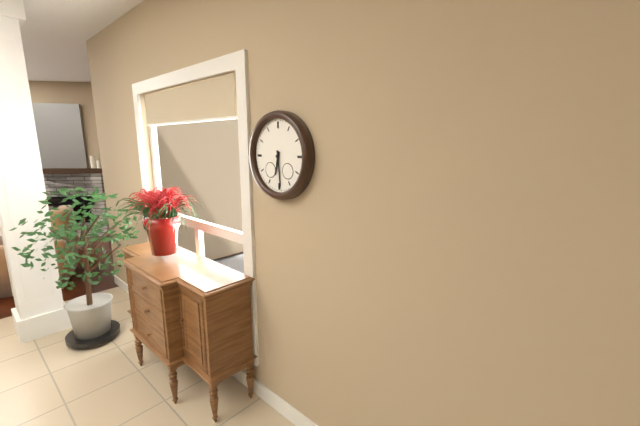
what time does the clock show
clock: 6:29
